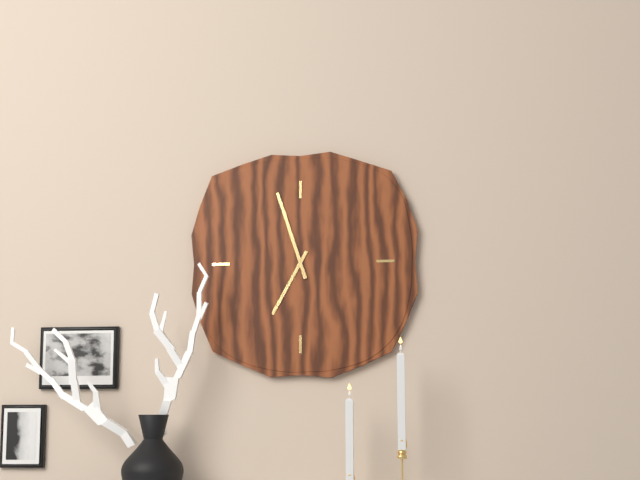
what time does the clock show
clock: 6:57
